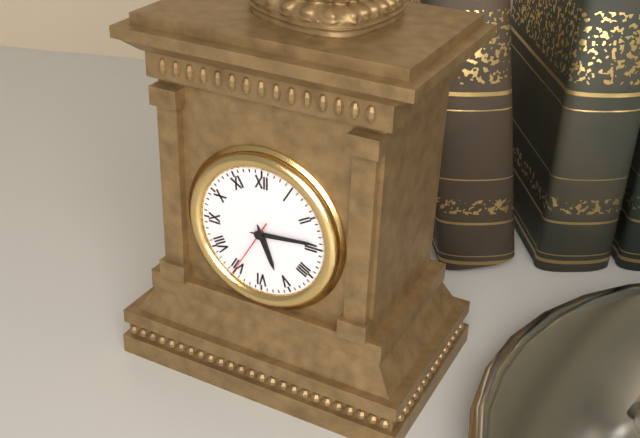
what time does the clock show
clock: 5:14:35
